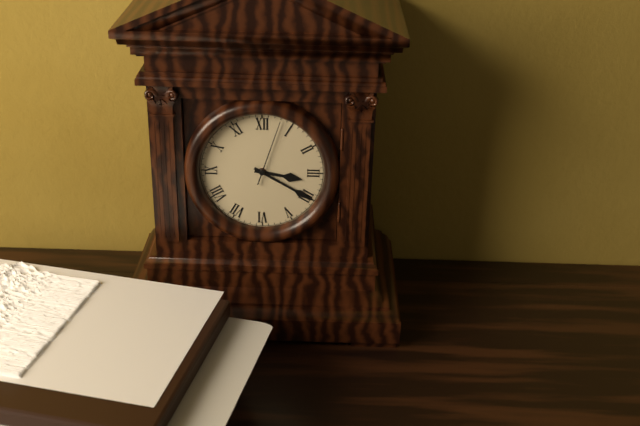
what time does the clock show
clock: 3:20:03
